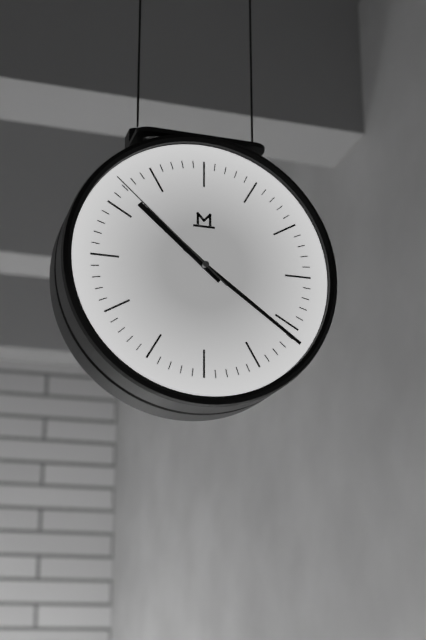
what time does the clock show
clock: 10:21:52
